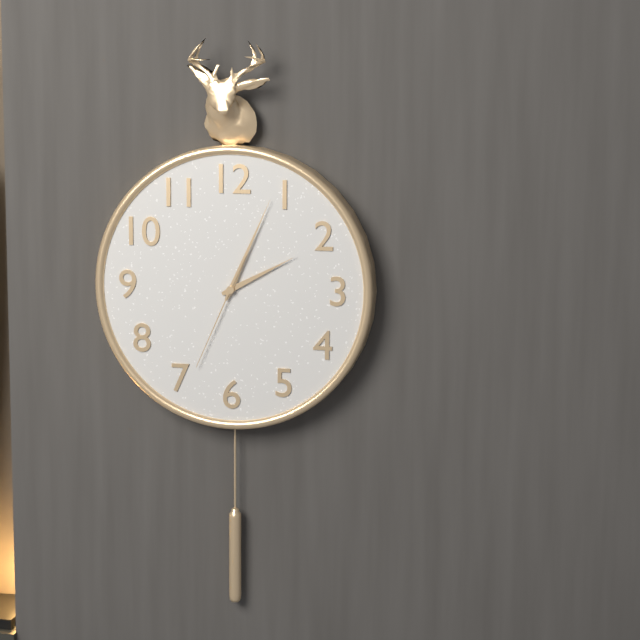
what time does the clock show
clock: 2:04:34
